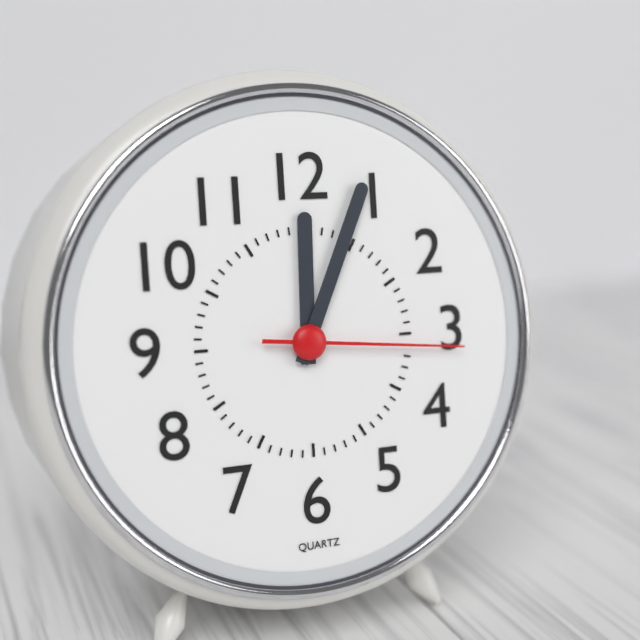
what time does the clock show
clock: 12:04:16
